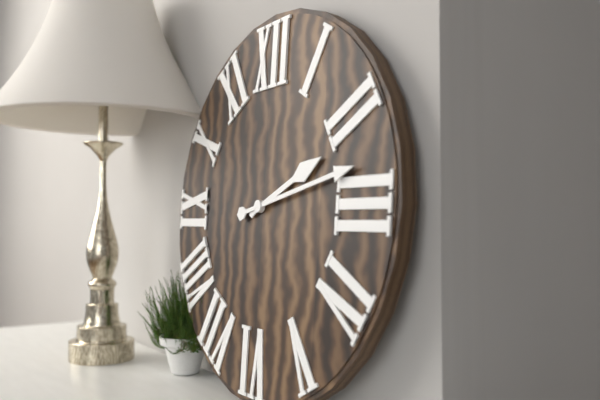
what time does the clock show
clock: 2:13
